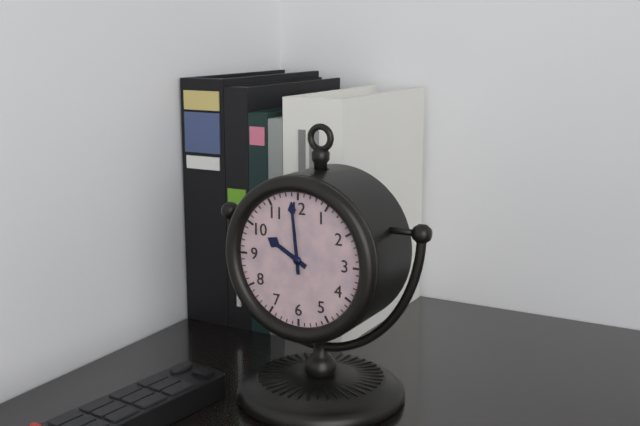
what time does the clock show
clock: 9:59
